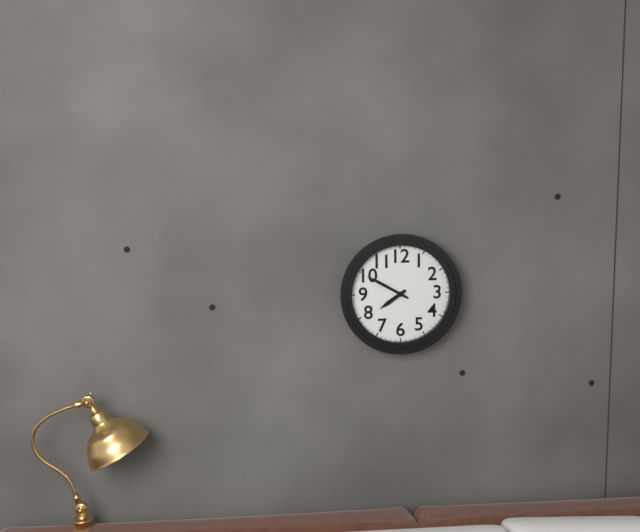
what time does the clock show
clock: 7:50
